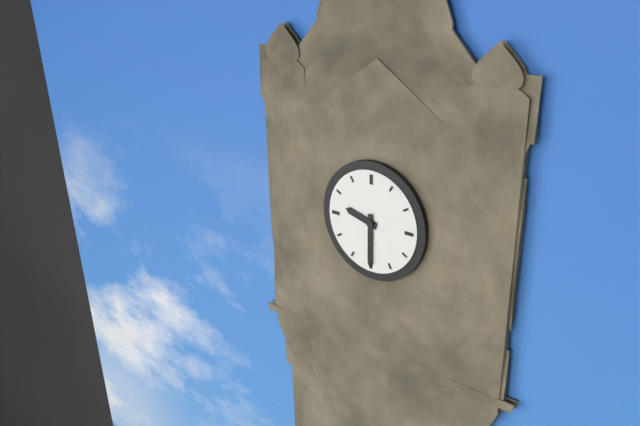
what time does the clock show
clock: 9:30
